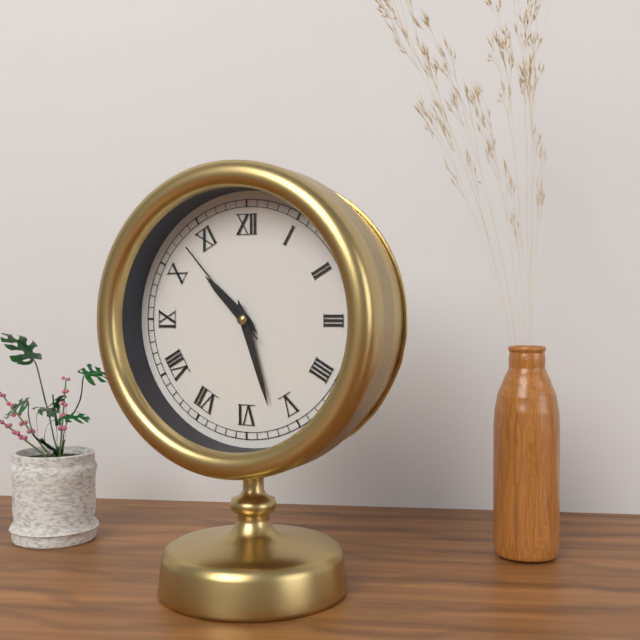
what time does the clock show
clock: 10:27:53
